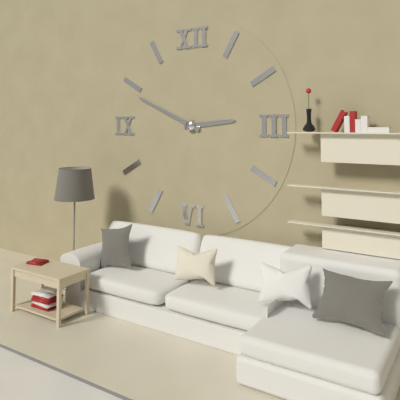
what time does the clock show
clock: 2:49
